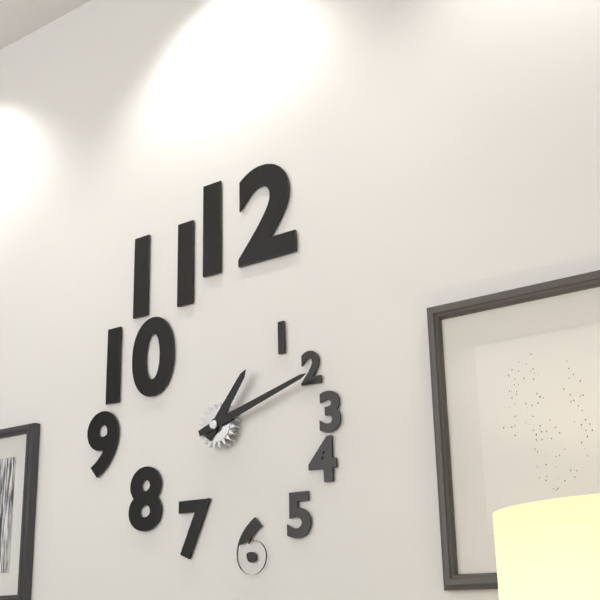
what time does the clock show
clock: 1:12
